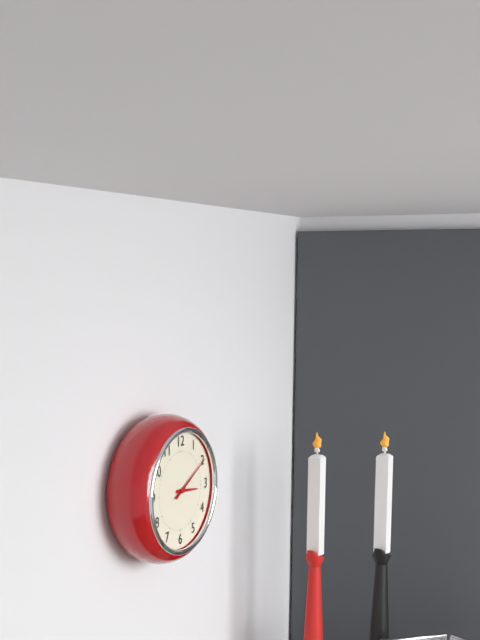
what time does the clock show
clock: 3:10
